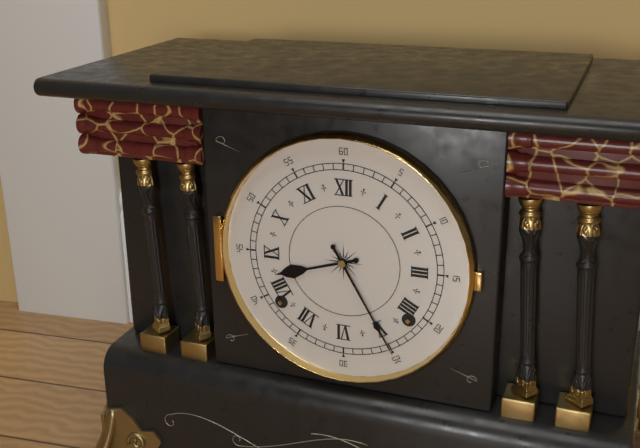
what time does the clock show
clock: 8:25
